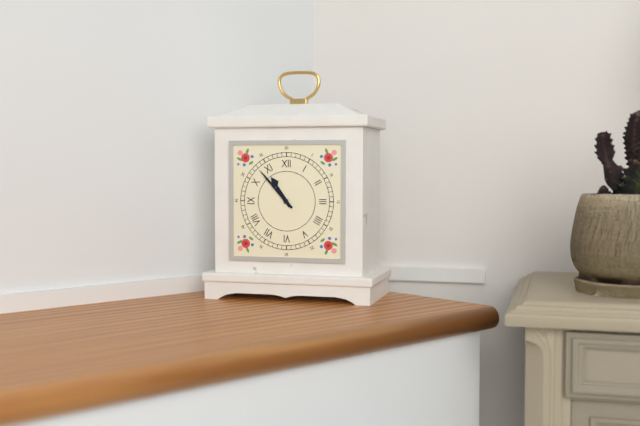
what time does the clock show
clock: 10:53
